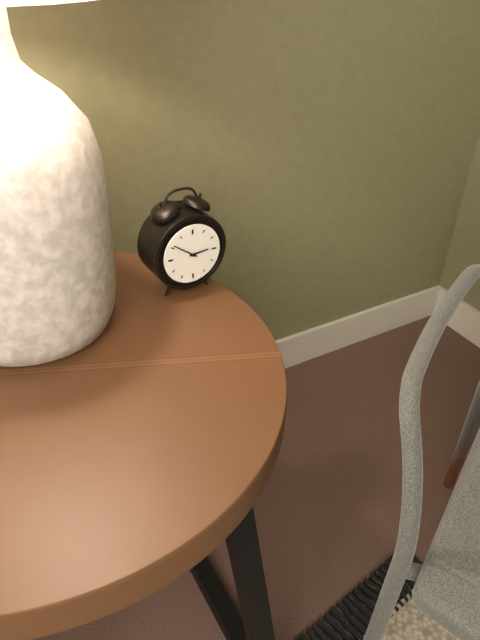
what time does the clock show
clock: 2:51
